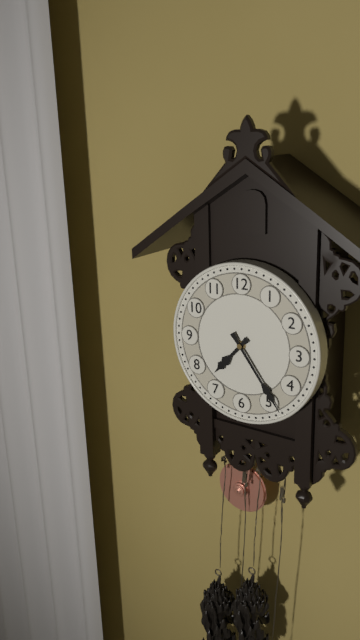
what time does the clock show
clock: 7:24
